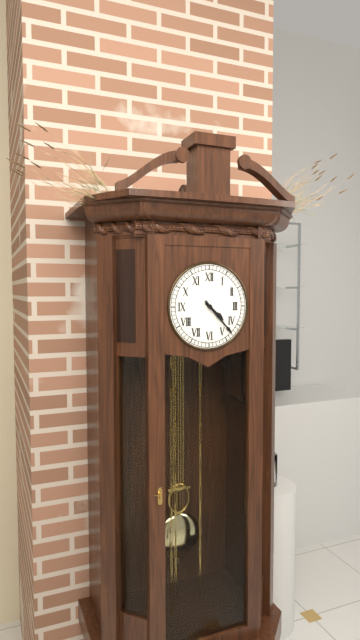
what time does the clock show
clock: 4:23
